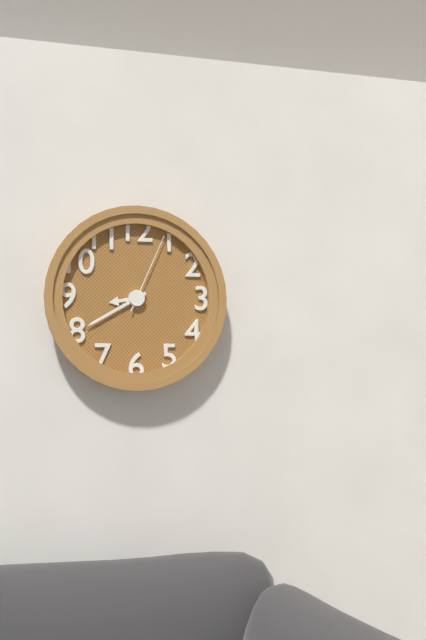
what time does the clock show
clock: 8:40:04
